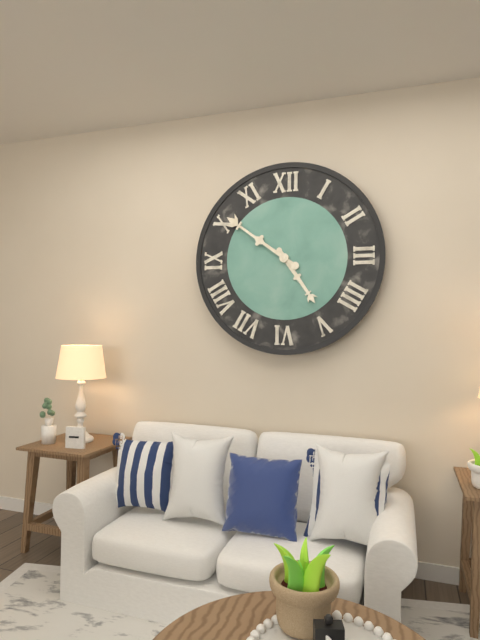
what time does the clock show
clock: 4:51
